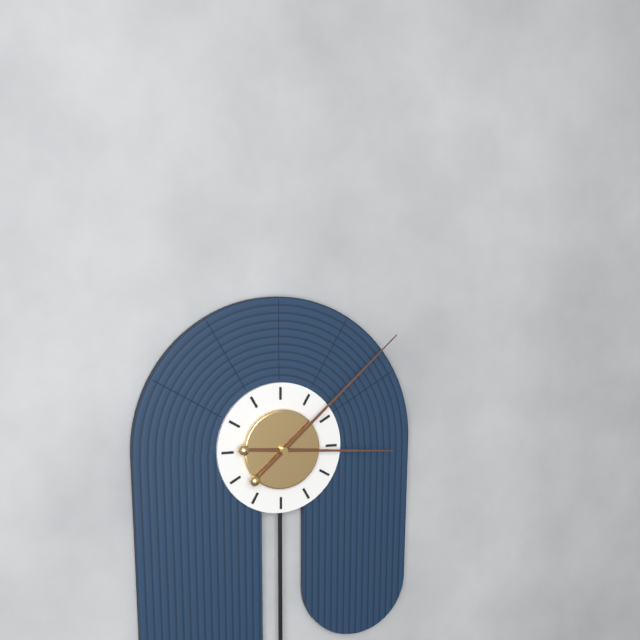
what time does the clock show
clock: 3:08
